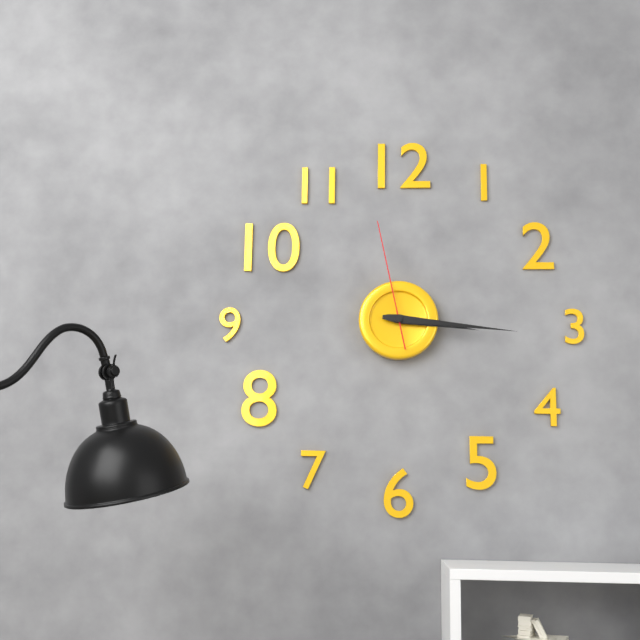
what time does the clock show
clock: 3:16:58
